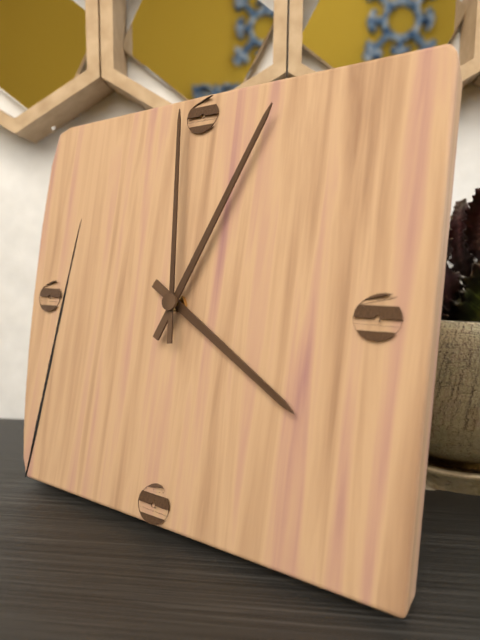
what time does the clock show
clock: 4:04:59
